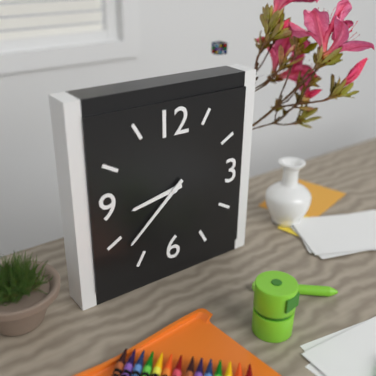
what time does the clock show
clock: 8:38
